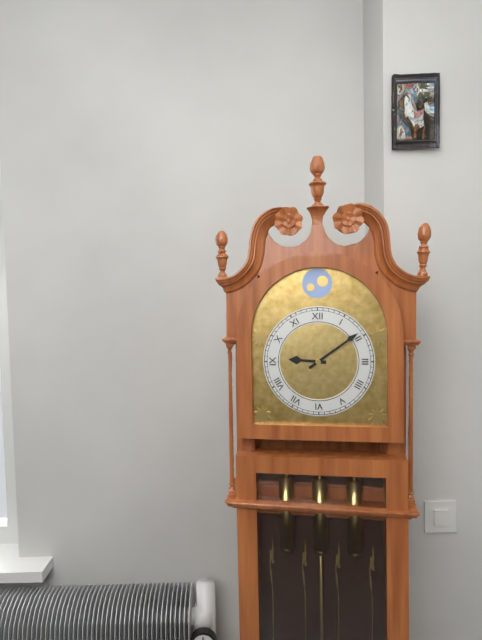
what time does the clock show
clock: 9:09
